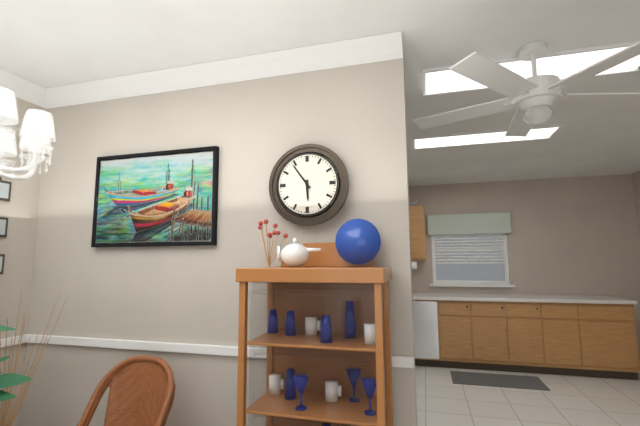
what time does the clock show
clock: 5:54
